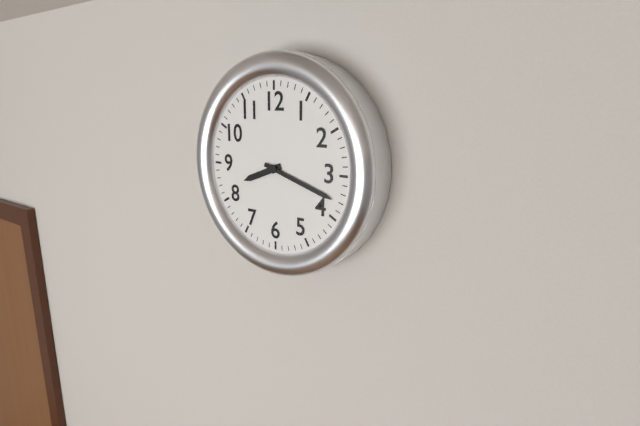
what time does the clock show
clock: 8:18
